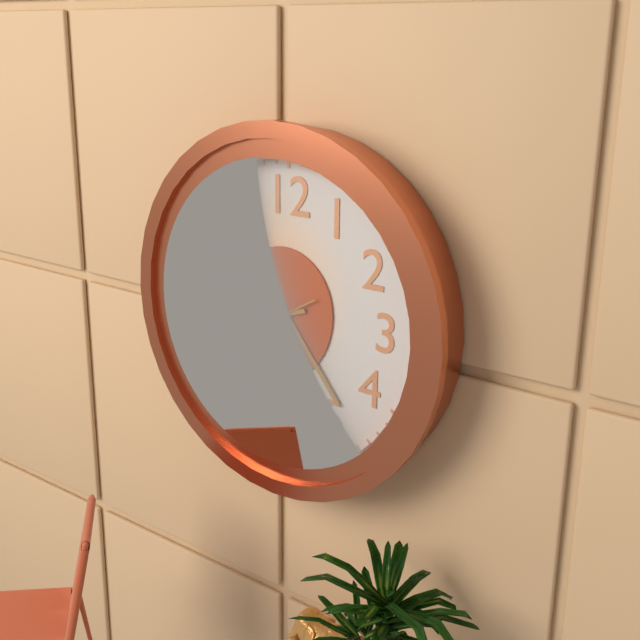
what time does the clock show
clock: 4:42:40
